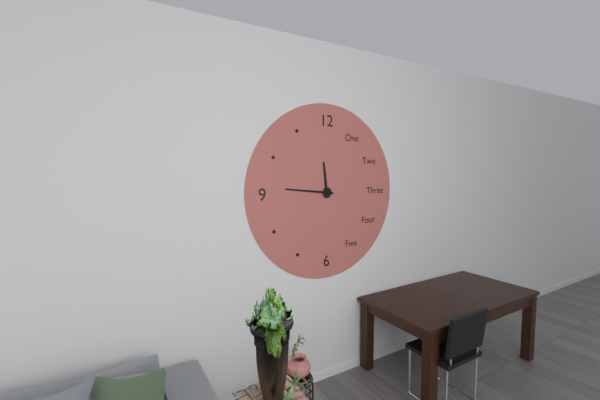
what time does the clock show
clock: 11:46
